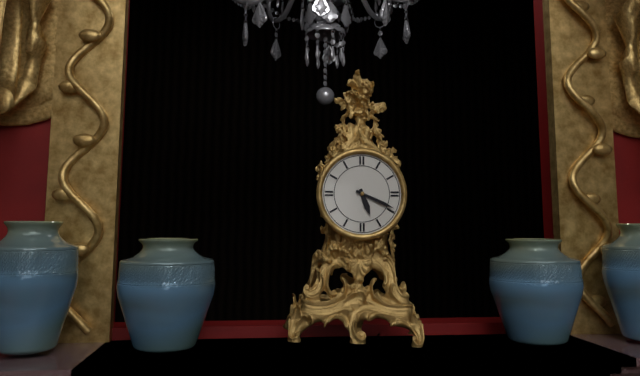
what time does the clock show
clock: 5:19
